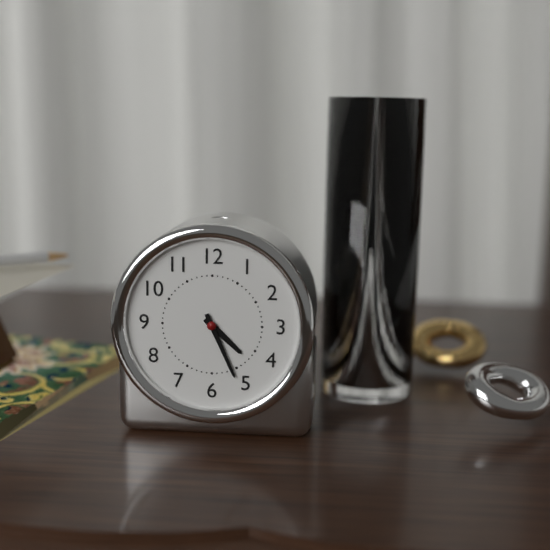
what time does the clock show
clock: 4:26
